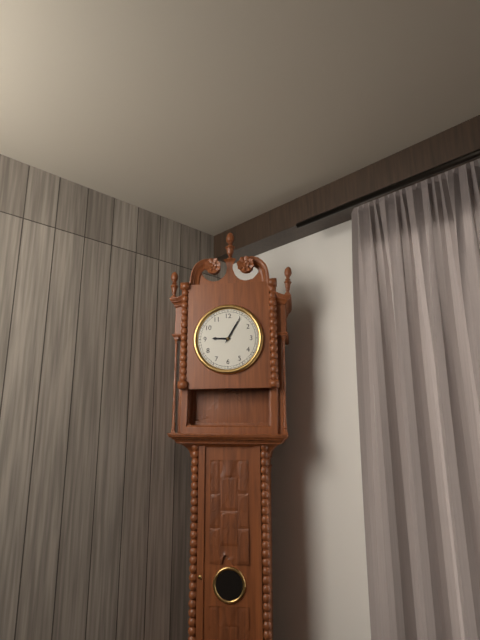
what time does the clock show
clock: 9:05
